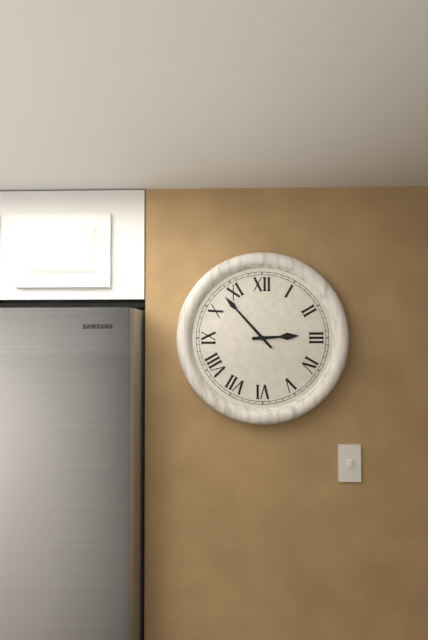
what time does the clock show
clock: 2:53
